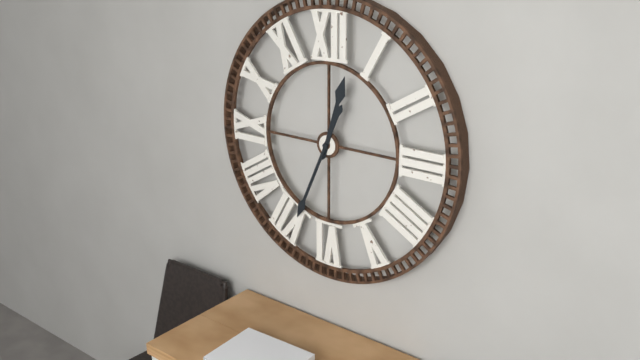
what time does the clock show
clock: 12:34
